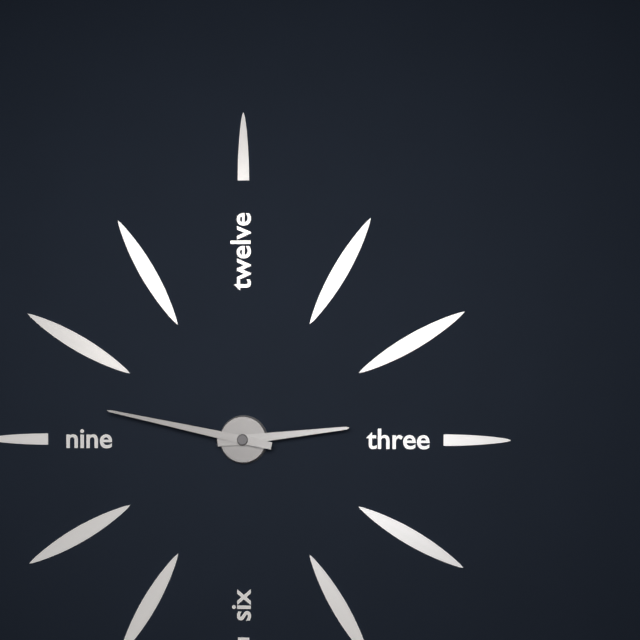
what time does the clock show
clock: 2:47
